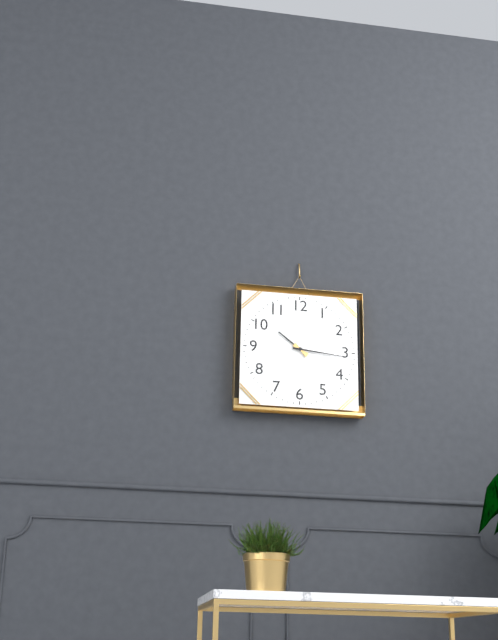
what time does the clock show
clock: 10:16
